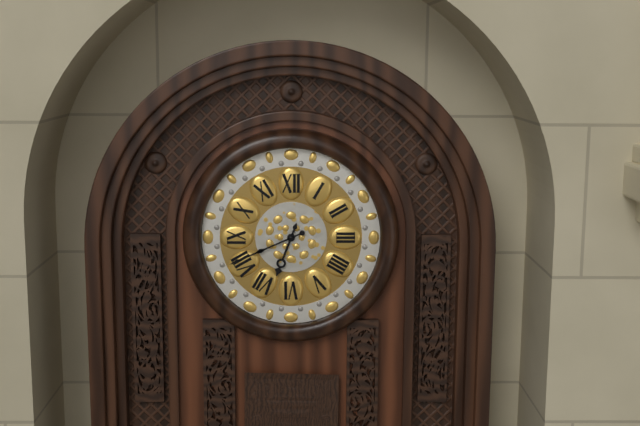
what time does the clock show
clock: 6:41
